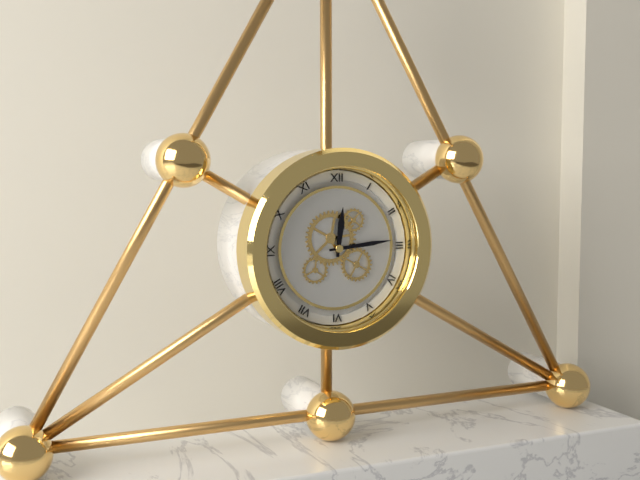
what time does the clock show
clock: 12:14
